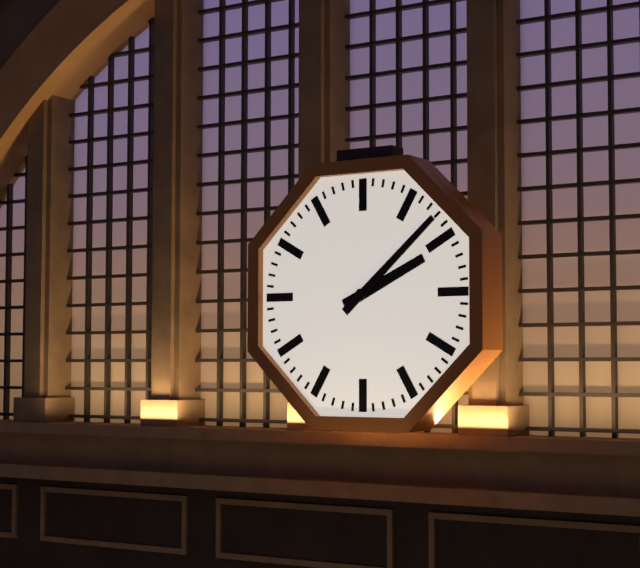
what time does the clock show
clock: 2:08
